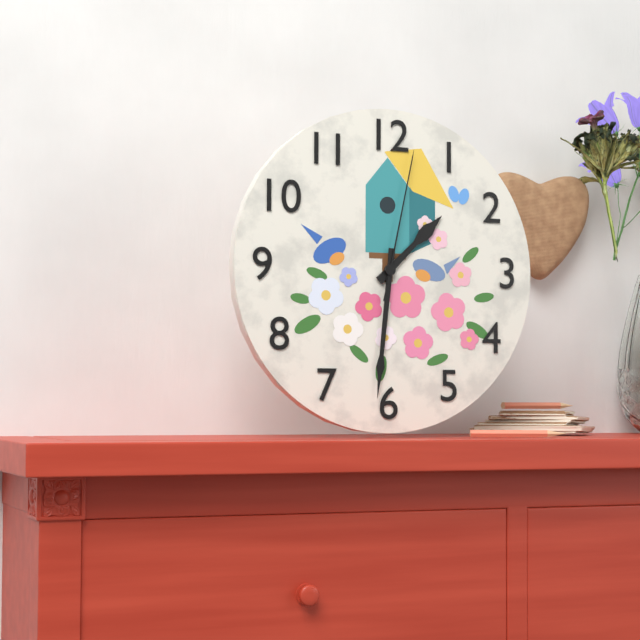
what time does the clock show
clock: 1:31:02
